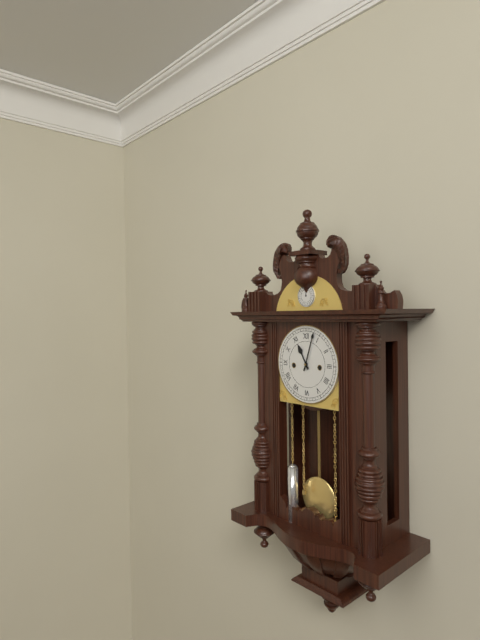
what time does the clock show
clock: 11:03
